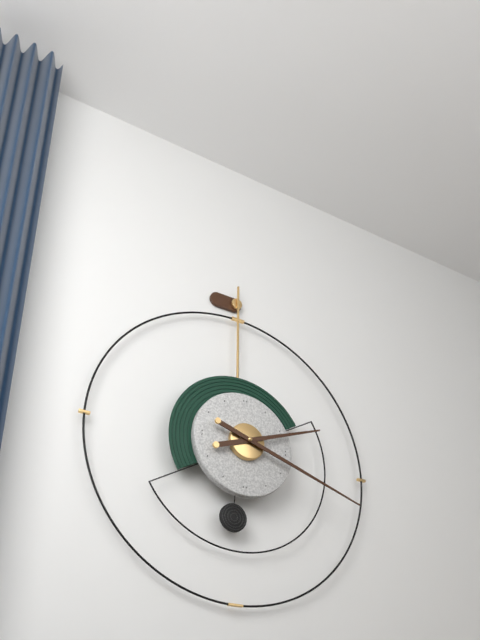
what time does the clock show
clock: 2:18
